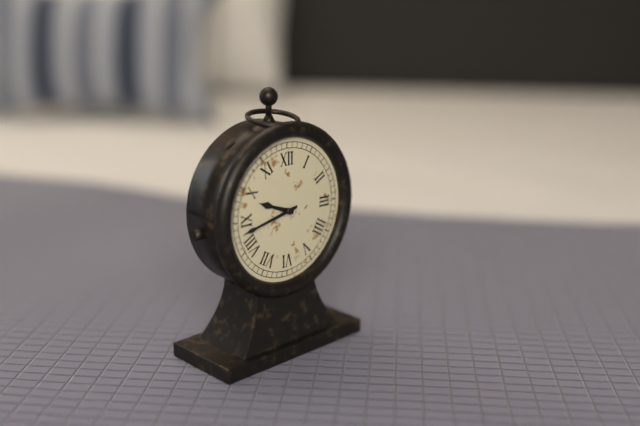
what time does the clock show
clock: 9:43
